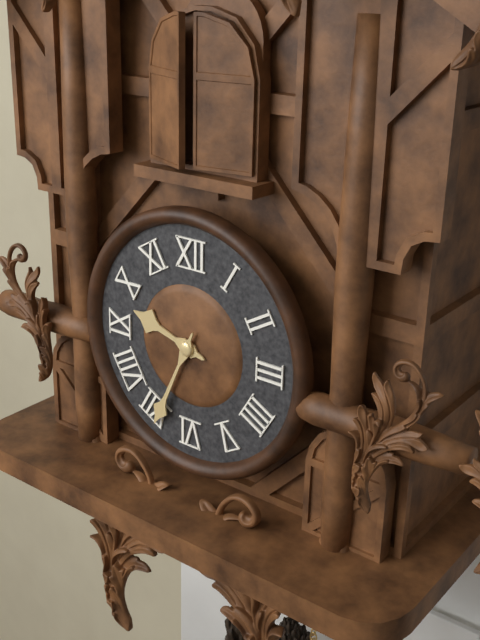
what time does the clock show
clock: 9:34
